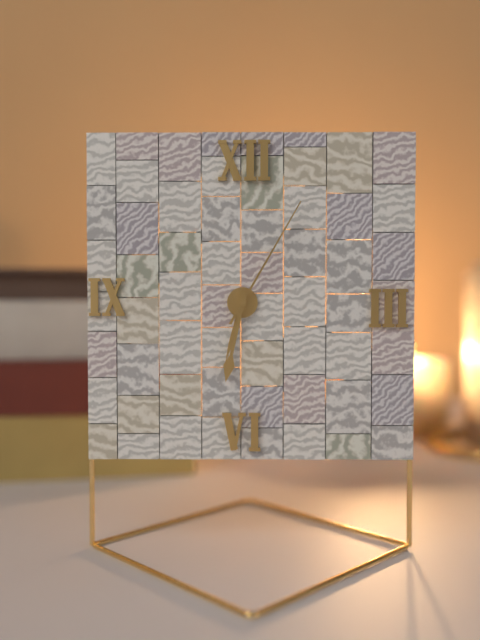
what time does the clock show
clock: 6:32:05
